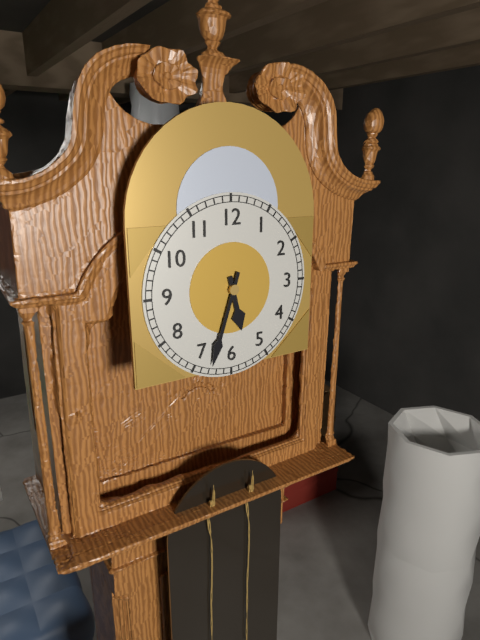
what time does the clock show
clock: 5:33
